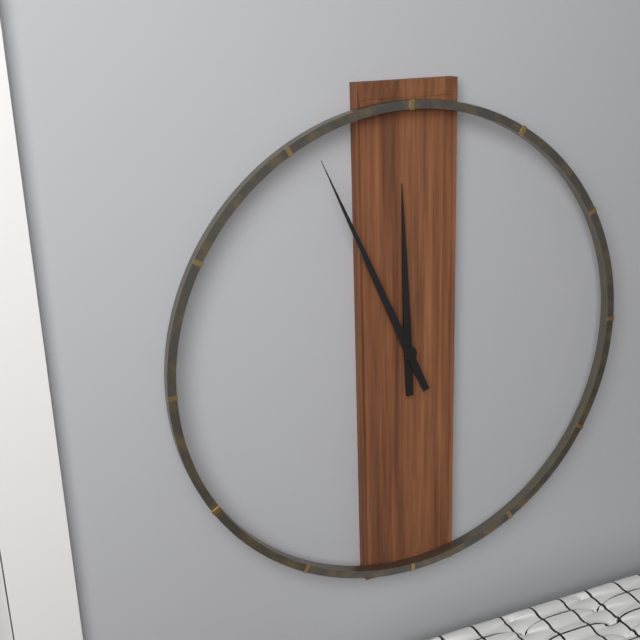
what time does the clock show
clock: 11:56
